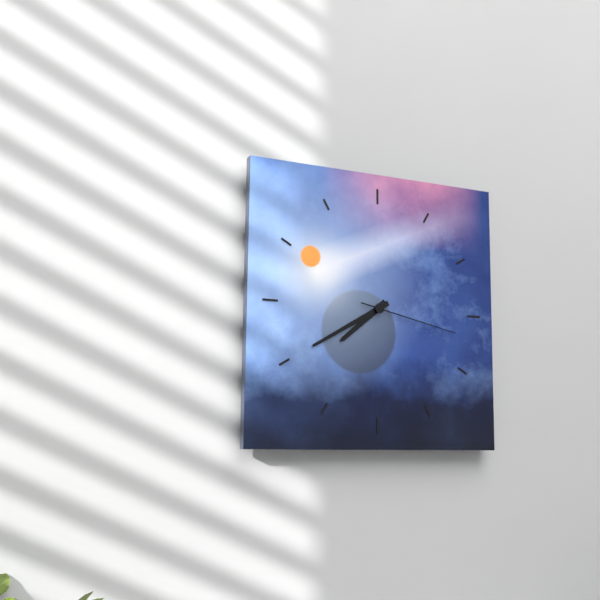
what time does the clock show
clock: 7:40:17
